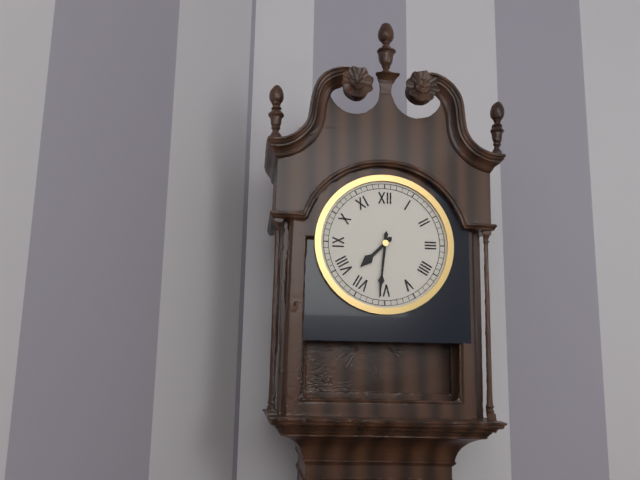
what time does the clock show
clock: 7:31
